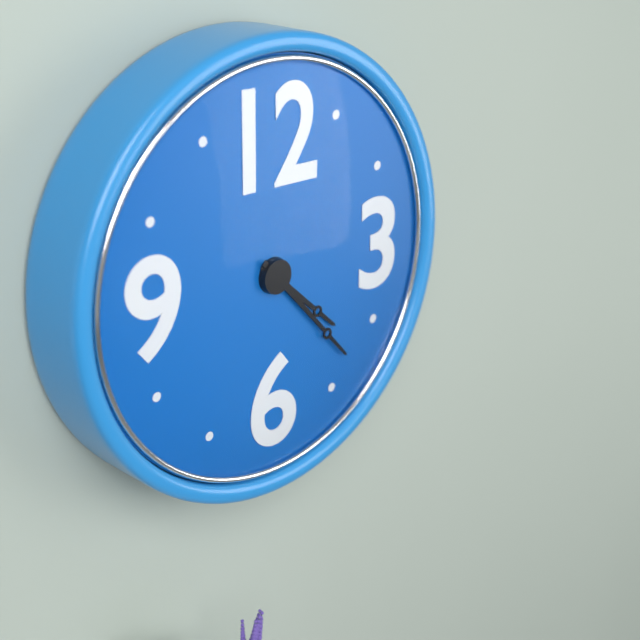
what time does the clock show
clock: 4:23
